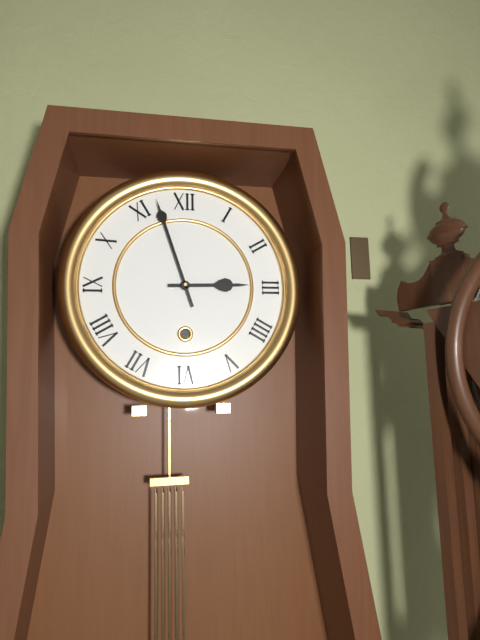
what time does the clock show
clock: 2:57
